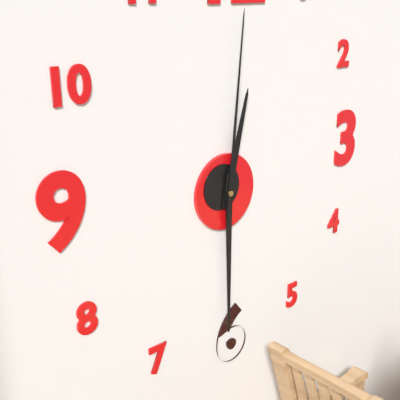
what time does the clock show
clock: 12:30:01
